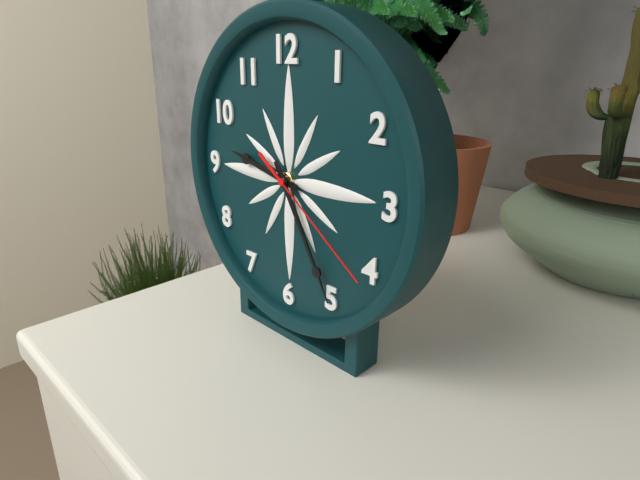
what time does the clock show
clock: 9:25:21
